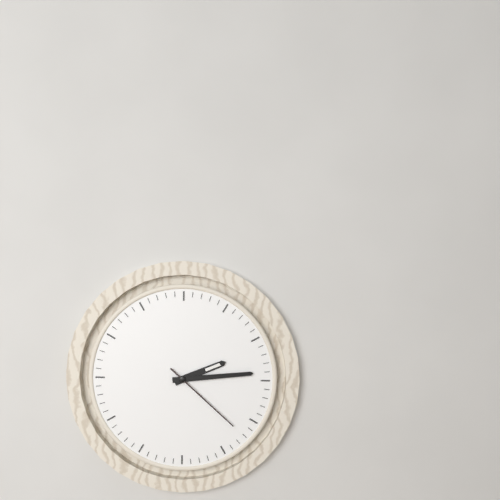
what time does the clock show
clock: 2:14:22
